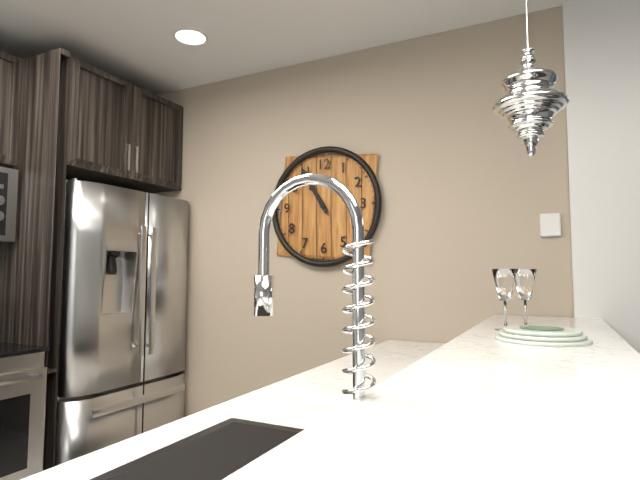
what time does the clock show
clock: 10:55
